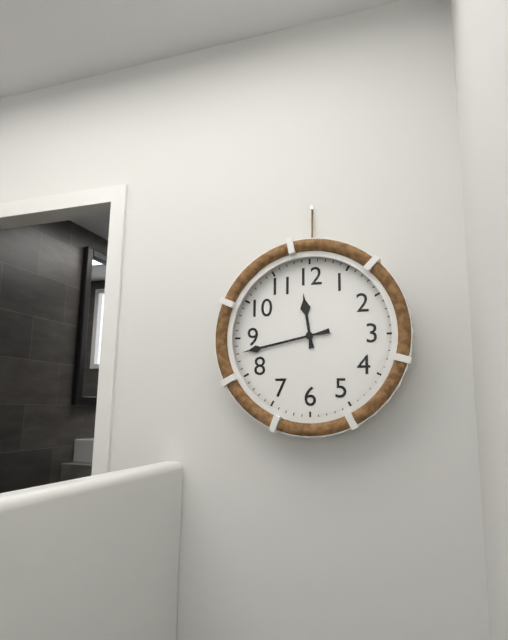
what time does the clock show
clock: 11:43
